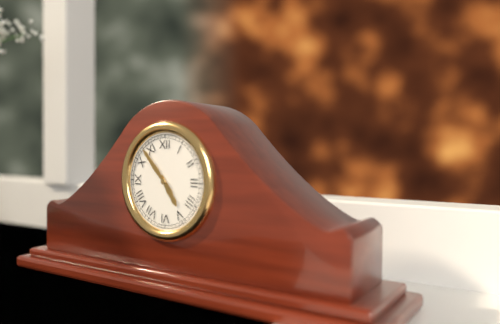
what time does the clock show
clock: 4:53
